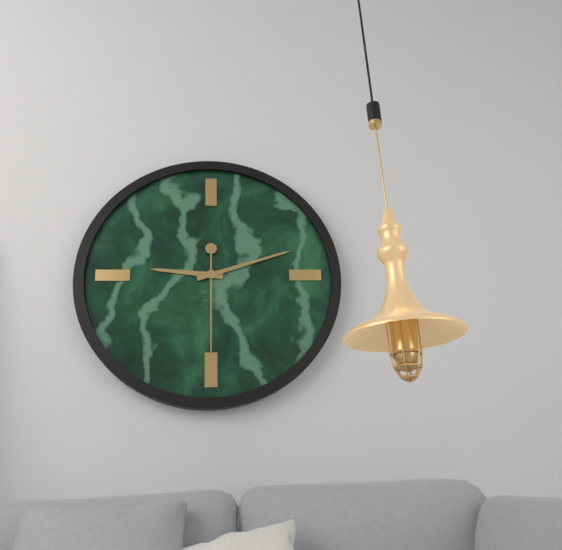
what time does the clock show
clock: 9:12:30
